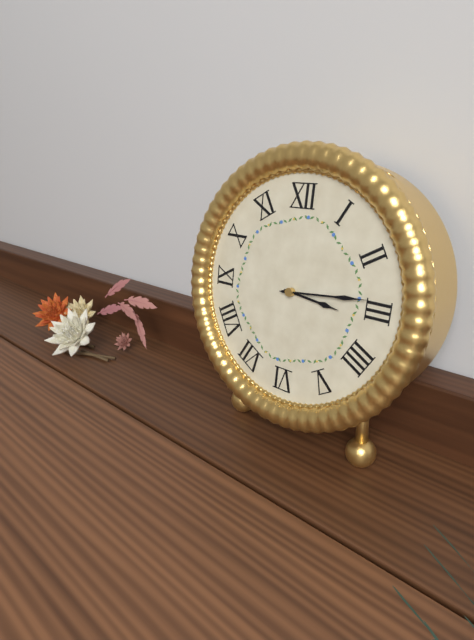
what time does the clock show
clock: 3:14
